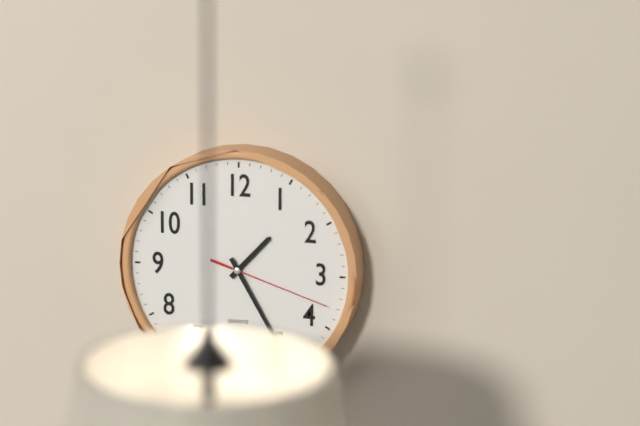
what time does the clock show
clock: 1:25:18
